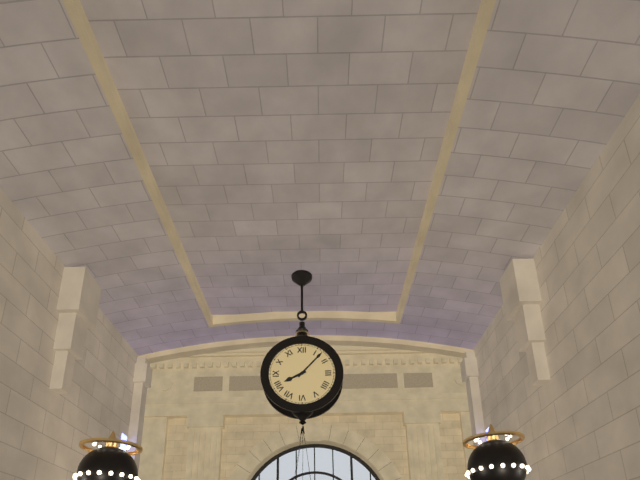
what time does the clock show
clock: 8:07
